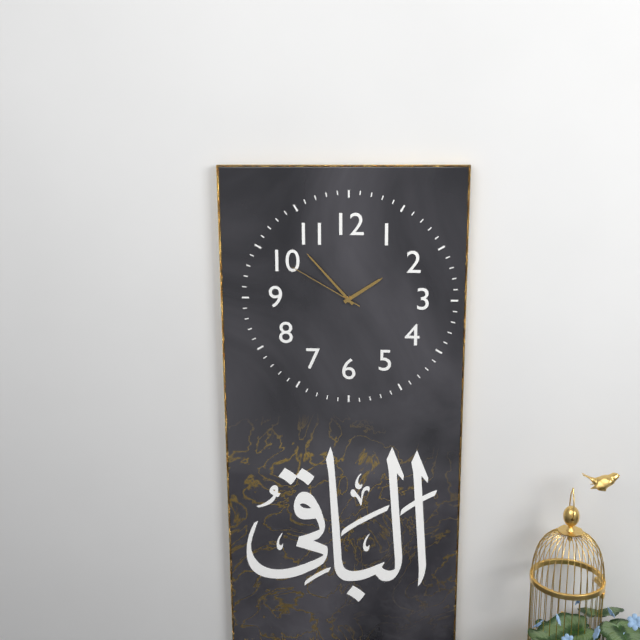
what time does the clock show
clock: 1:53:50
